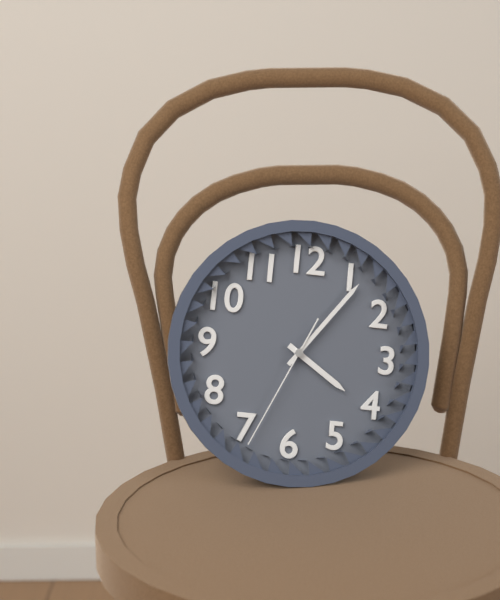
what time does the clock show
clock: 4:06:34
